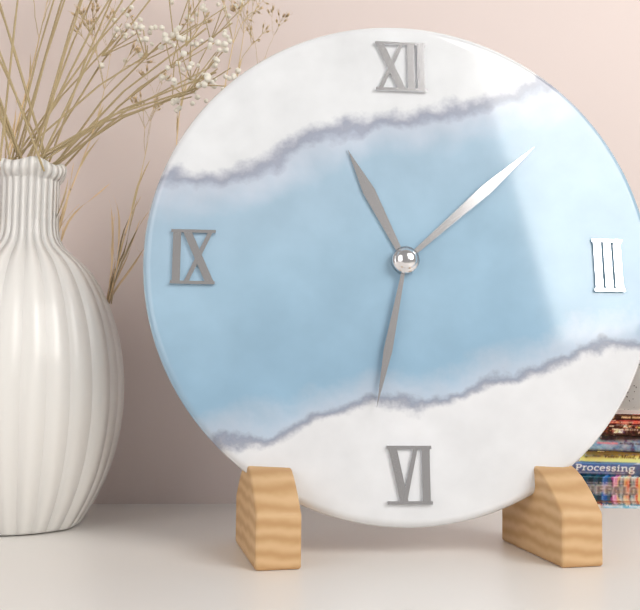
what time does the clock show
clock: 11:08:32
